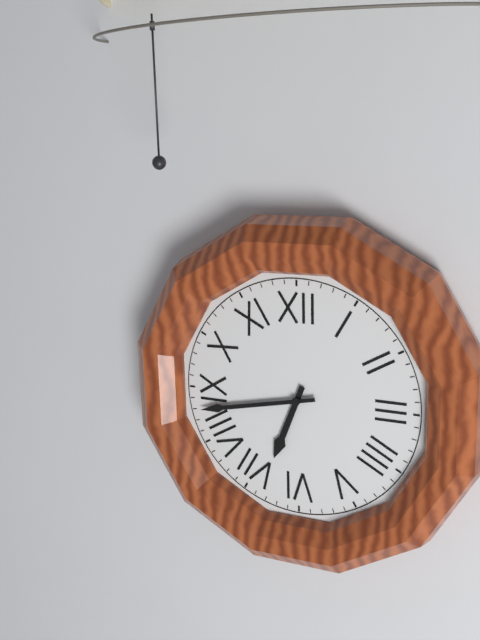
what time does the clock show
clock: 6:43
